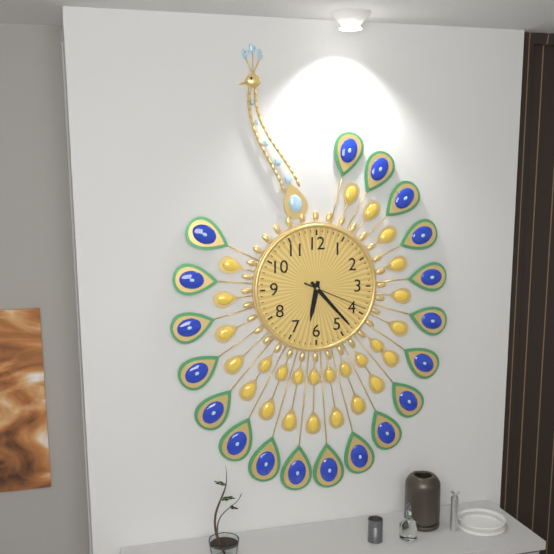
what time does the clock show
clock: 6:23:19
